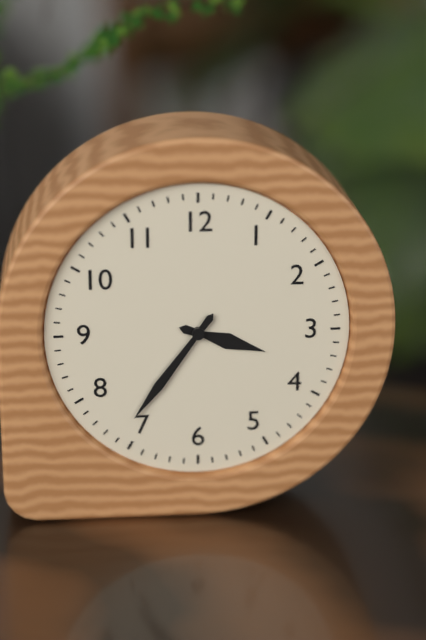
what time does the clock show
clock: 3:36
